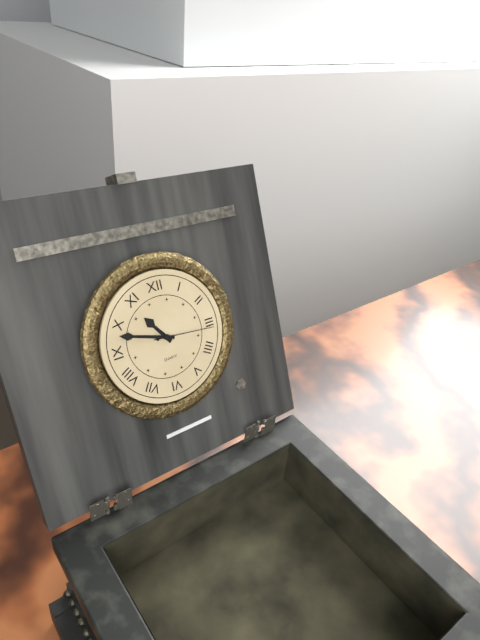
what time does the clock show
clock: 10:48:16
